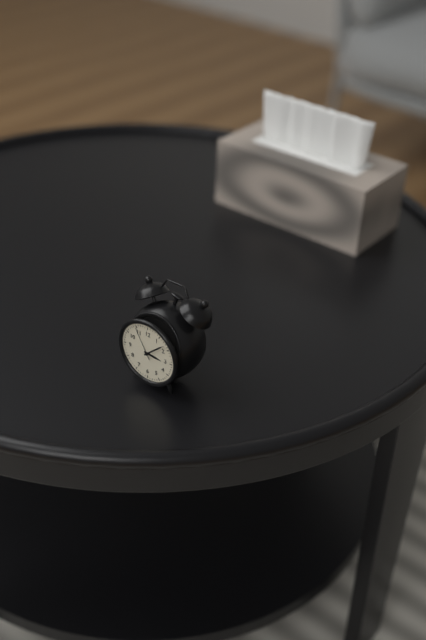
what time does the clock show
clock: 3:08
